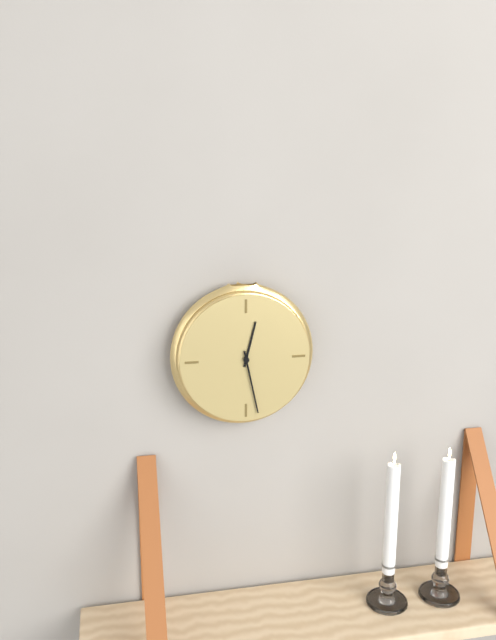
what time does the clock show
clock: 12:28
